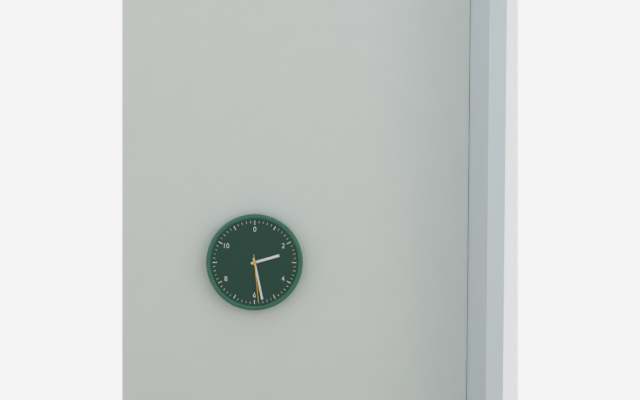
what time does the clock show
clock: 2:28
